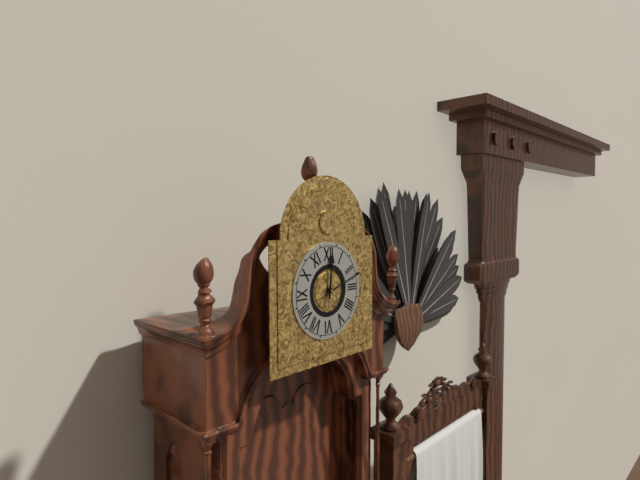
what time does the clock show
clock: 12:12
